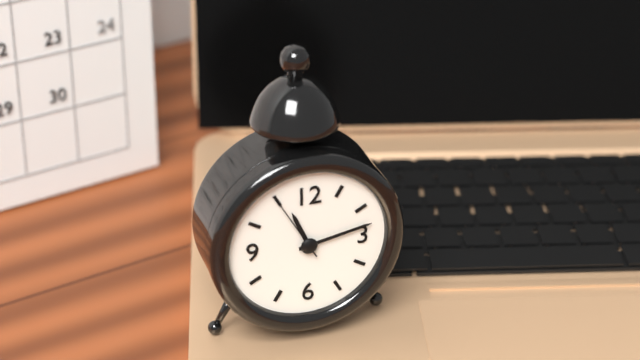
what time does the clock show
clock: 11:13
